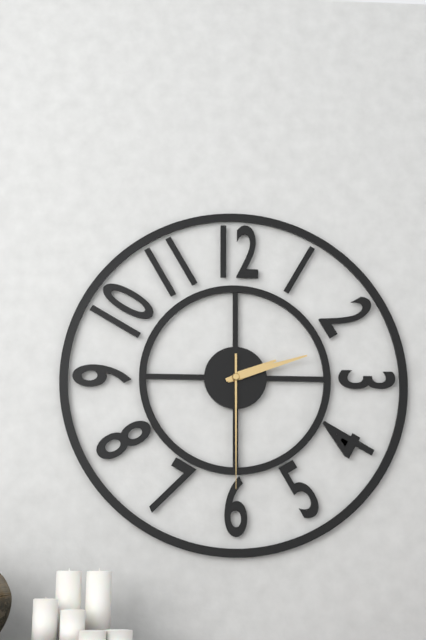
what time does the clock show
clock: 2:12:30
